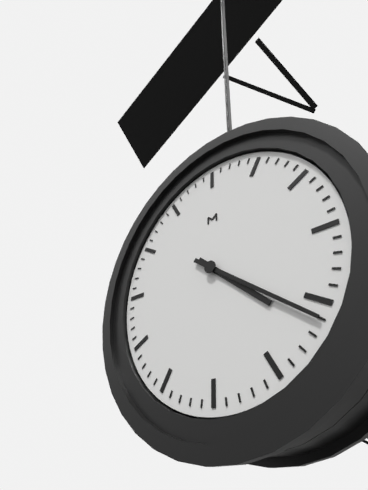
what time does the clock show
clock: 4:21
